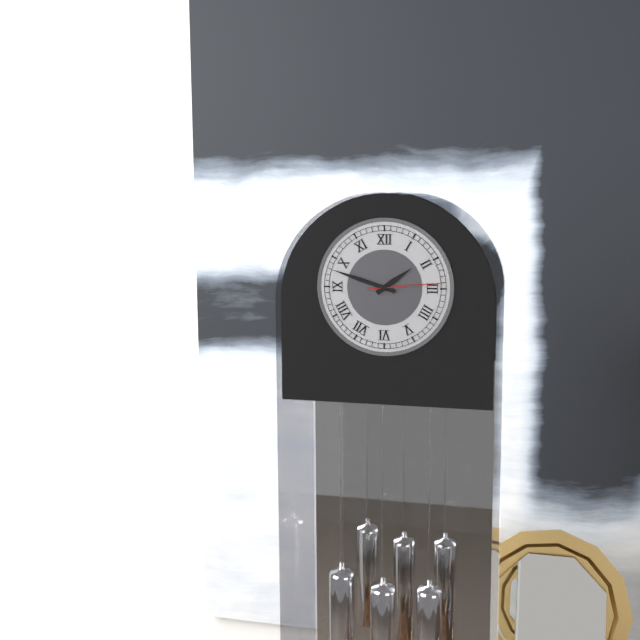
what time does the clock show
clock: 1:48:14
